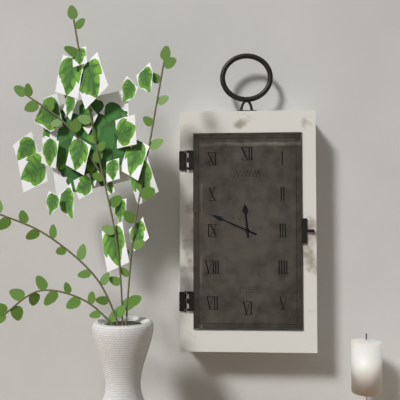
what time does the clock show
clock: 11:49
